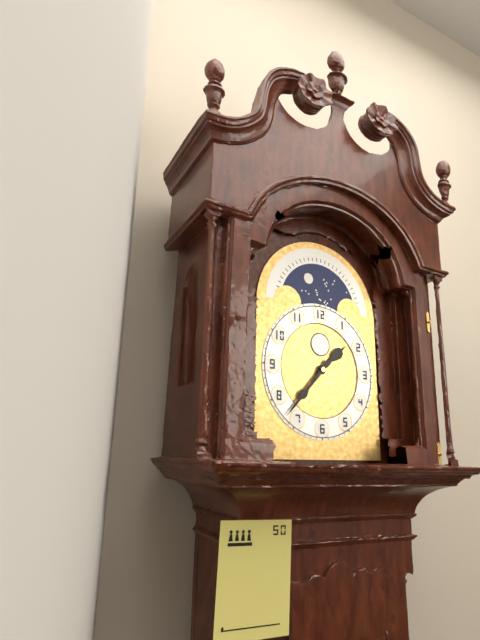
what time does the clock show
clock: 1:37
